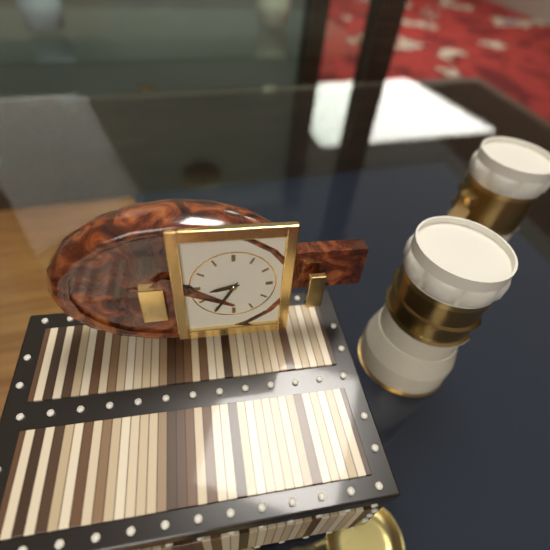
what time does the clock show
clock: 8:35
